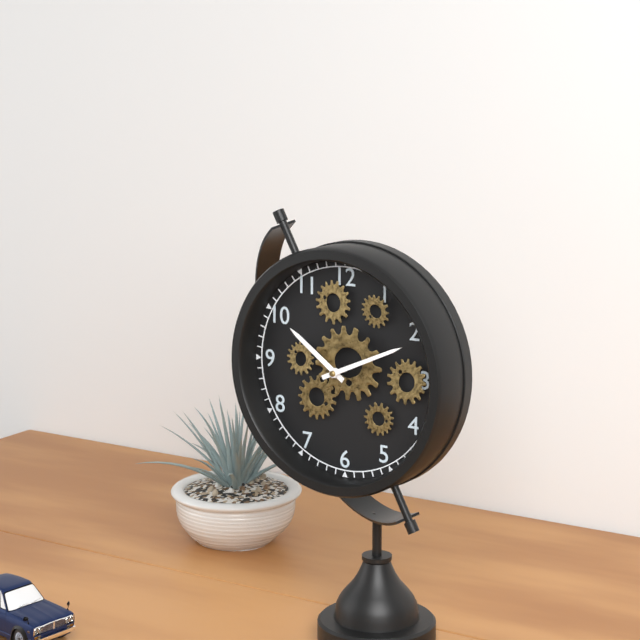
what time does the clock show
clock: 10:11
